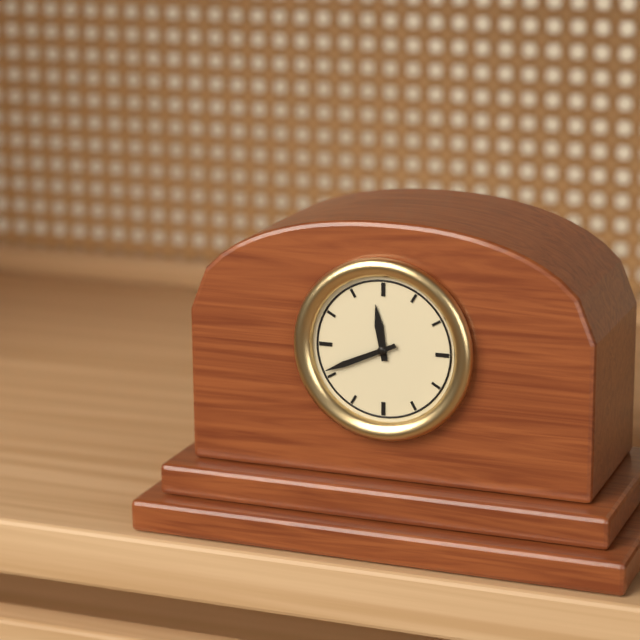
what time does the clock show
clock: 11:41
